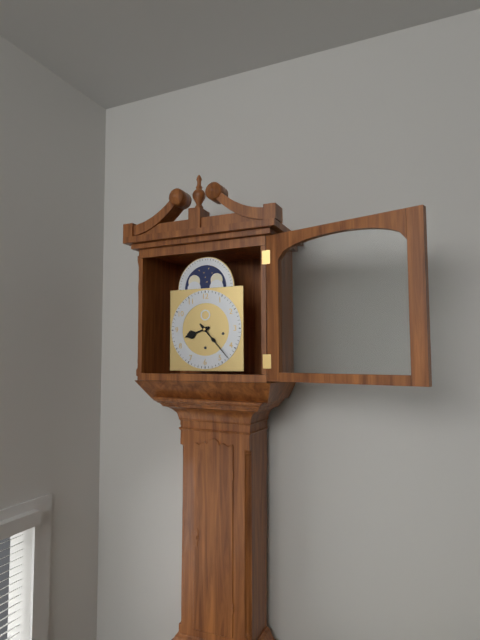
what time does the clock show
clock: 8:23
